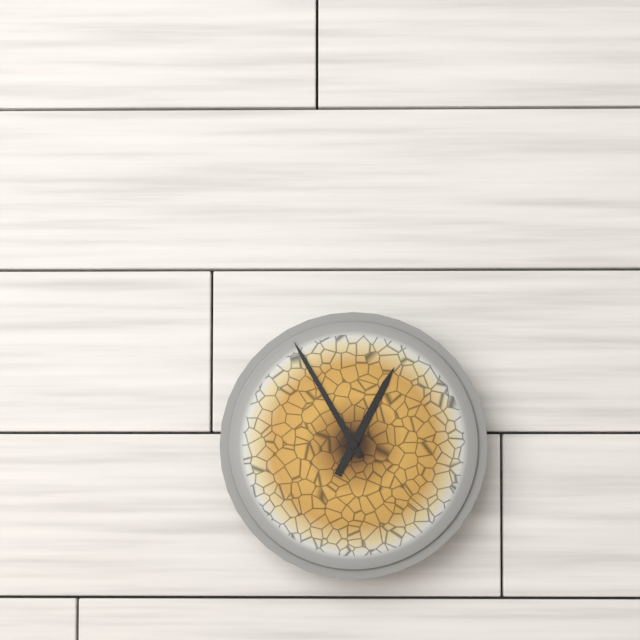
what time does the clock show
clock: 12:55
